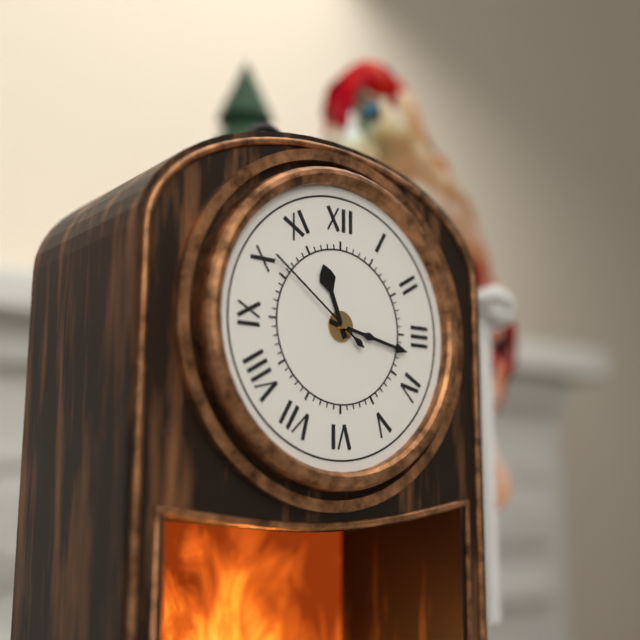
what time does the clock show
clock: 11:17:51
